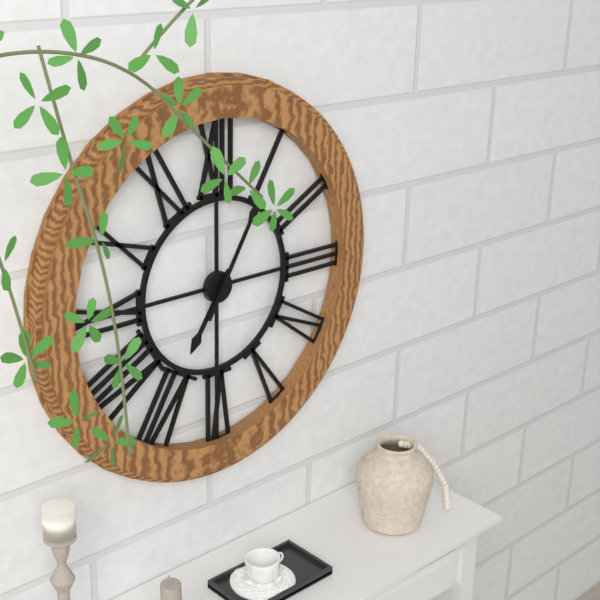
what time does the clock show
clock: 7:05
